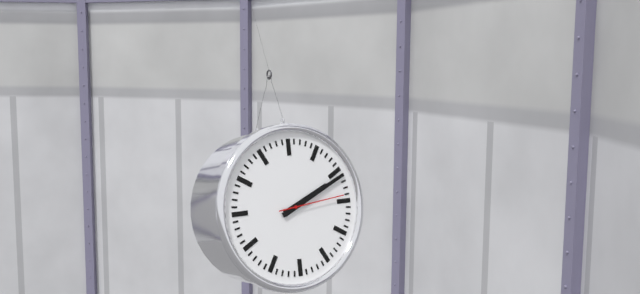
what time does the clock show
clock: 2:11:14
